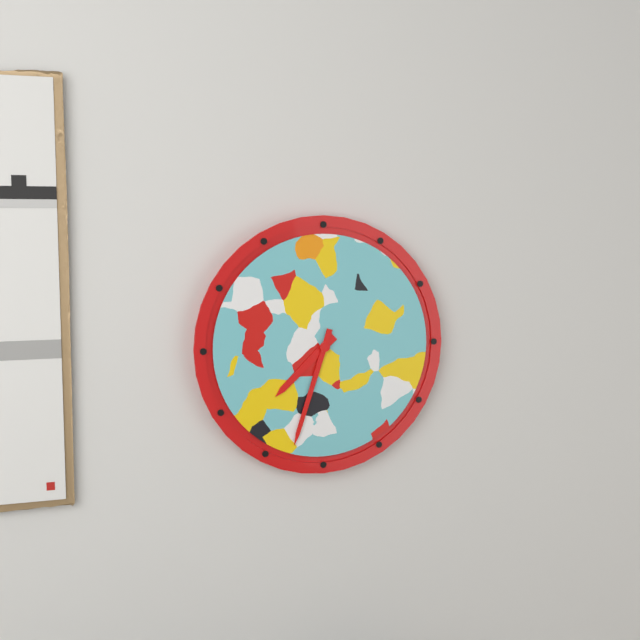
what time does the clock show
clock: 7:33
